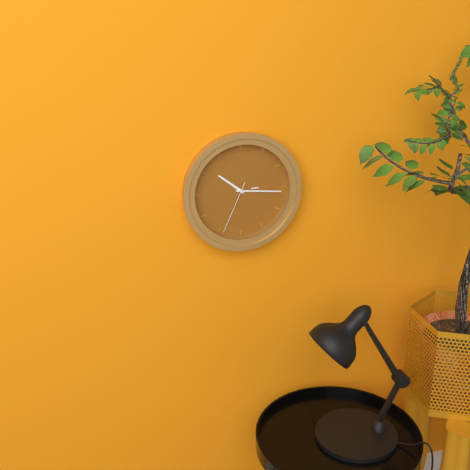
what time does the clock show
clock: 10:16:34
